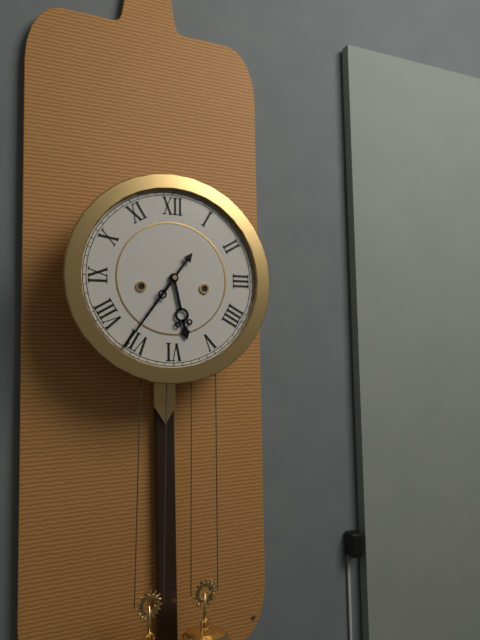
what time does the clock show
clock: 5:36
